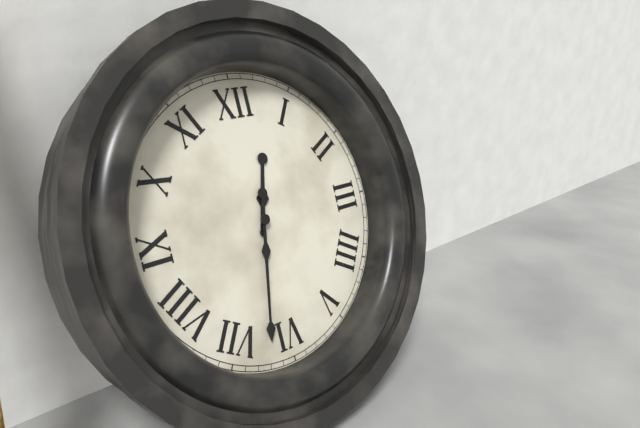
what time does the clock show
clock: 12:32
